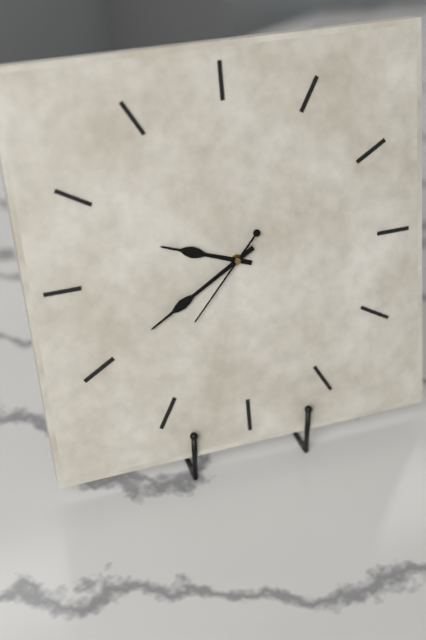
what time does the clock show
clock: 9:40:37
